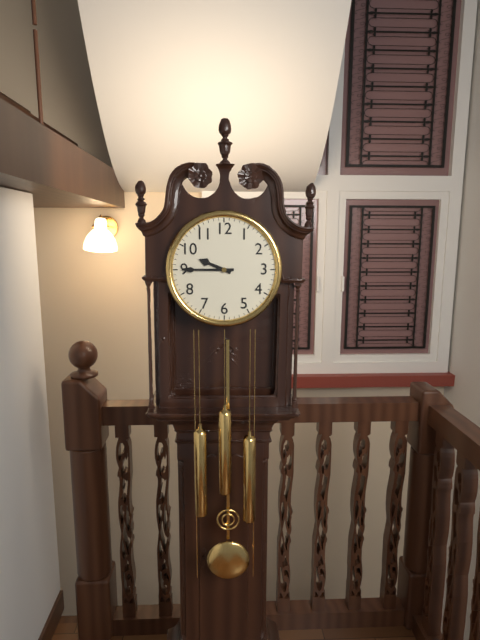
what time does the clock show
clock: 9:45
